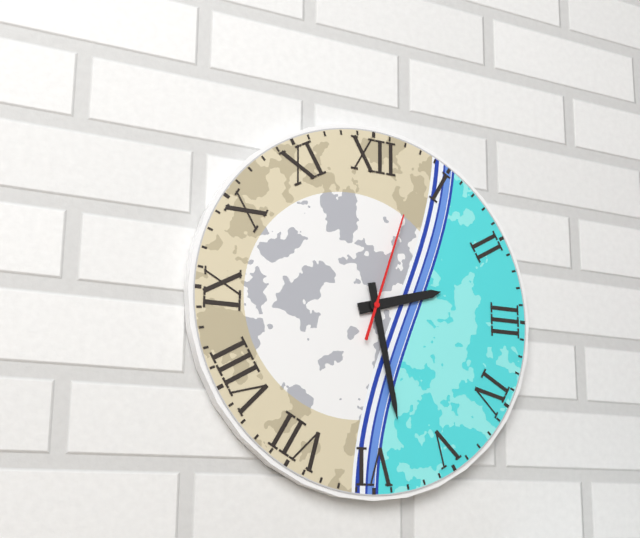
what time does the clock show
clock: 2:28:03
